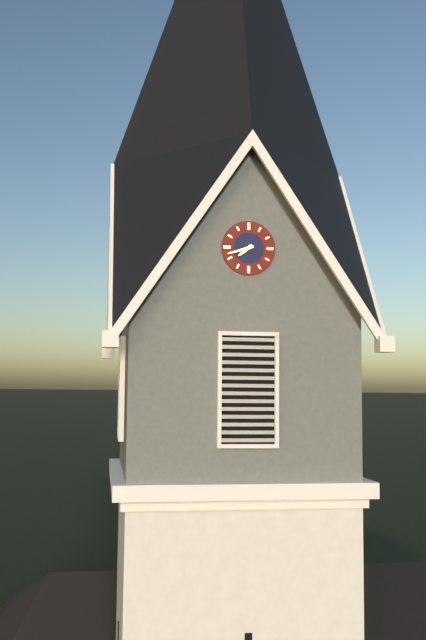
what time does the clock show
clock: 7:42
